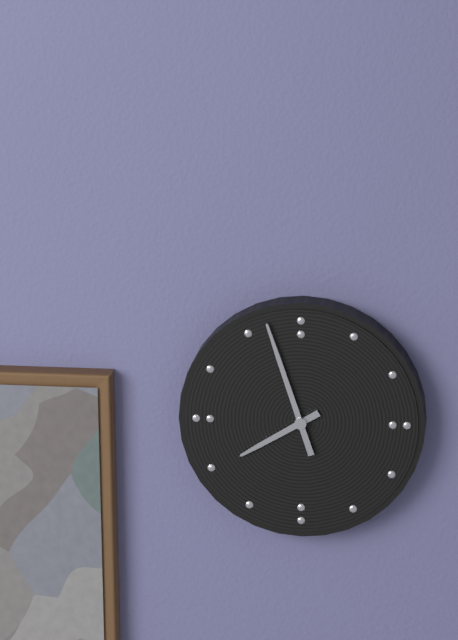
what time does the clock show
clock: 7:57
